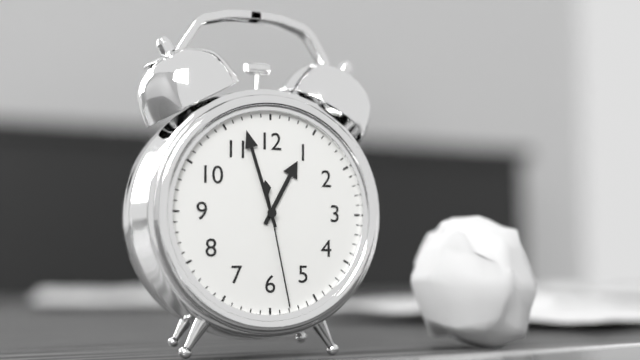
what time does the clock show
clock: 12:57:28
